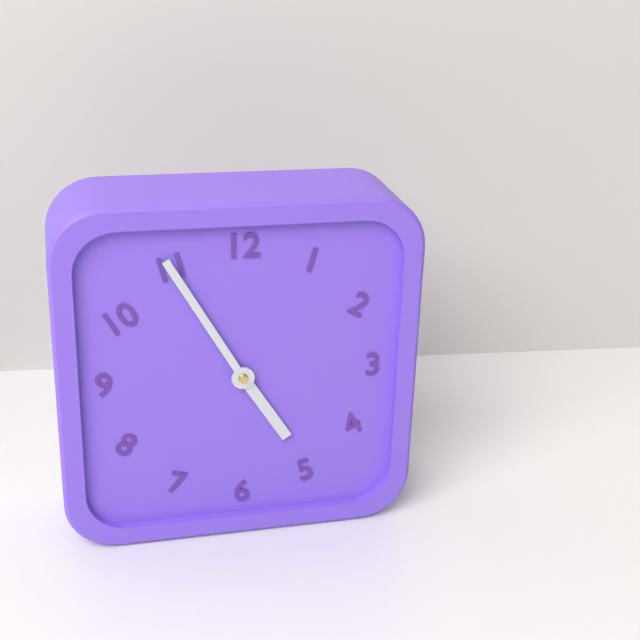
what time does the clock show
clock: 4:55
